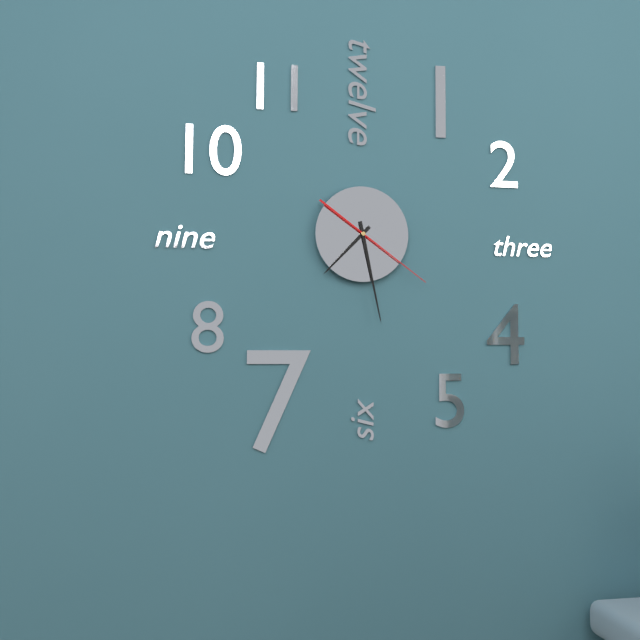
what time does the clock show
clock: 7:28:21
